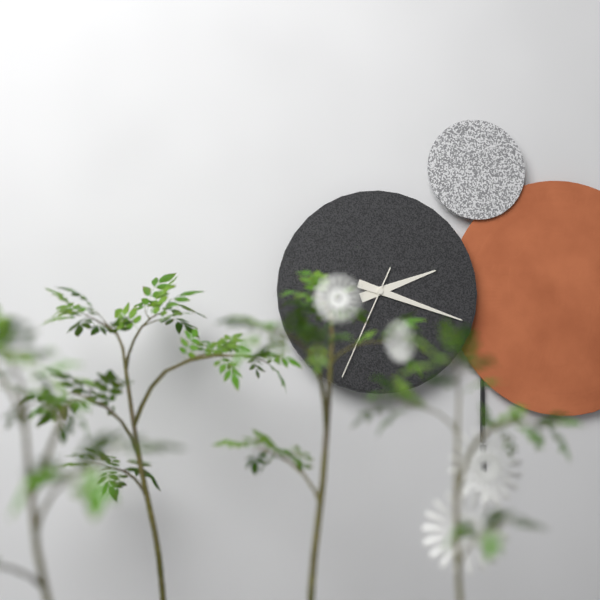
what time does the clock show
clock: 2:18:34
